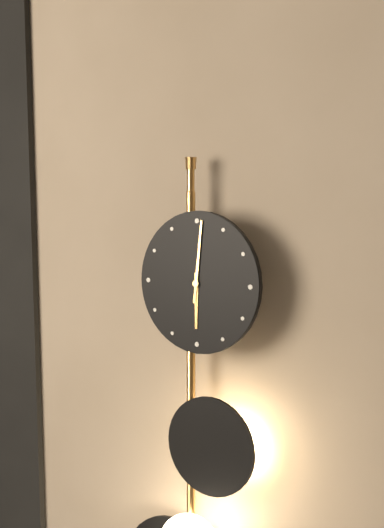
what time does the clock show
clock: 6:01
